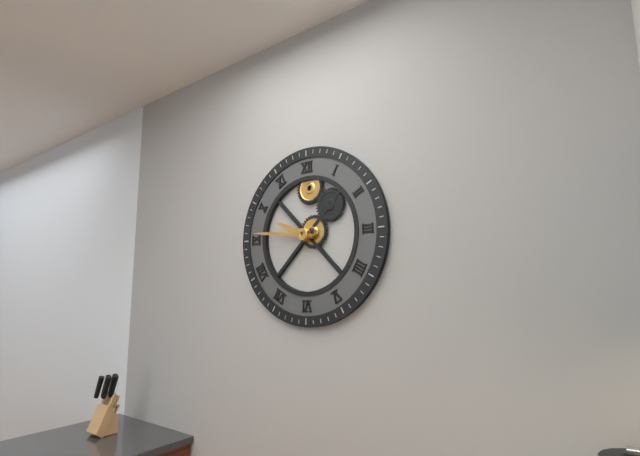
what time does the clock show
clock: 9:46
